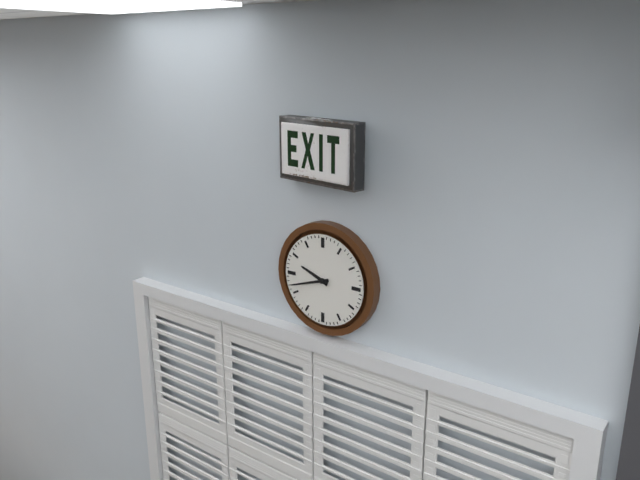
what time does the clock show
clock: 9:42
